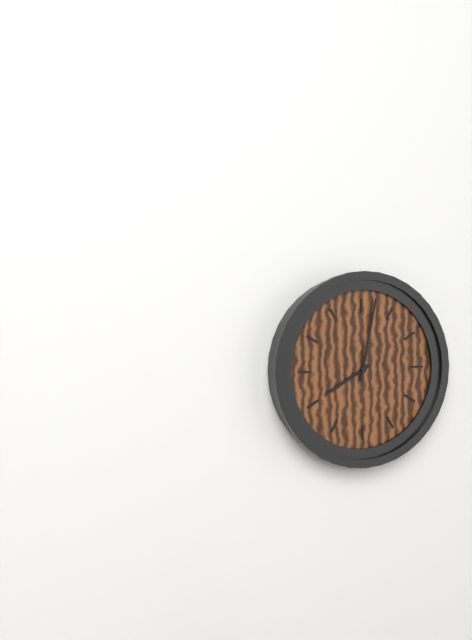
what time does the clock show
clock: 8:02
